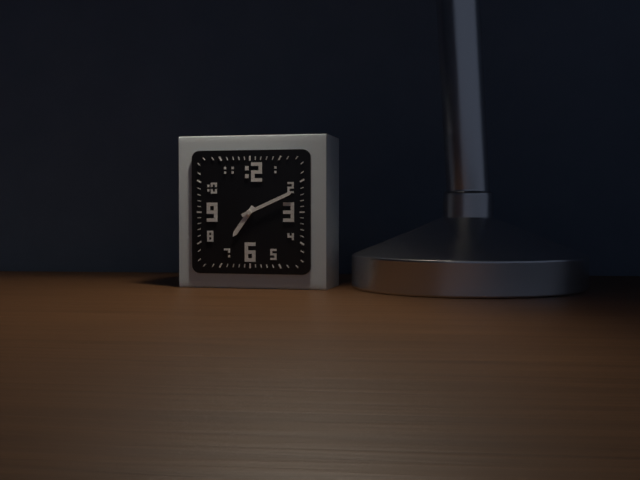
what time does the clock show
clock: 7:11
